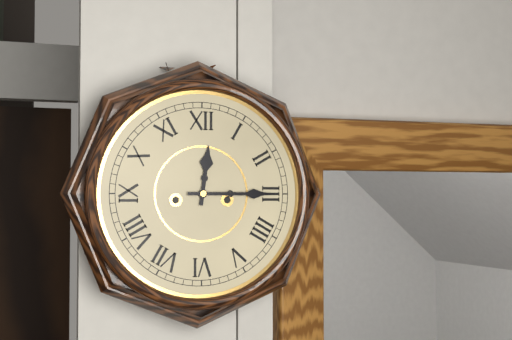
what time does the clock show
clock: 12:15
